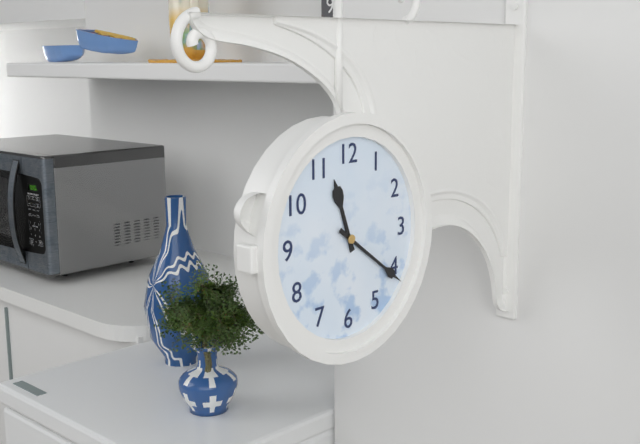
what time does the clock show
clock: 11:21
